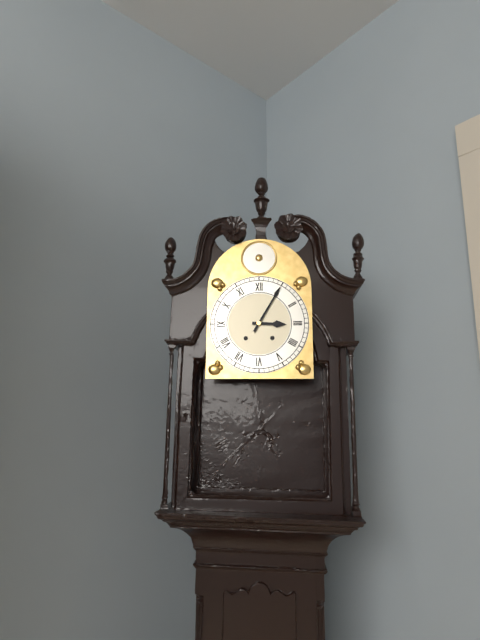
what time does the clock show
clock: 3:05
